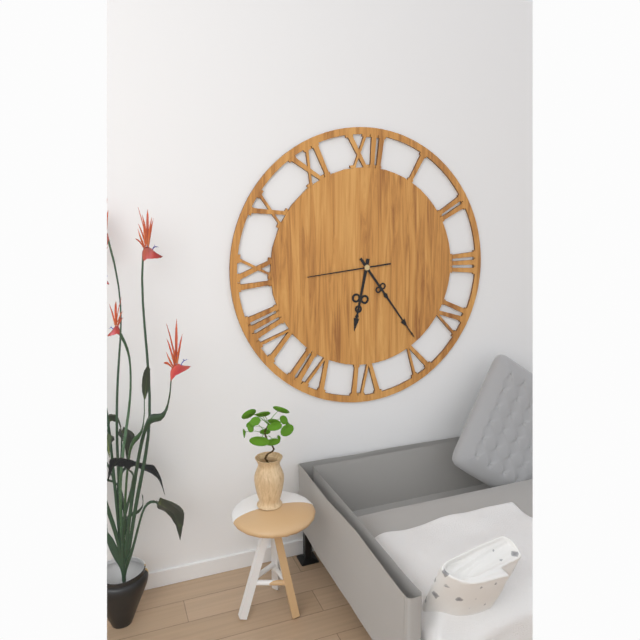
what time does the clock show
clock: 6:24:44
